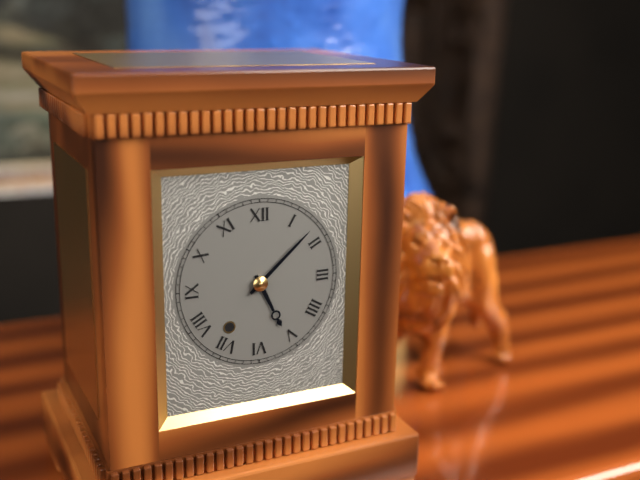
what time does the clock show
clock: 5:08
